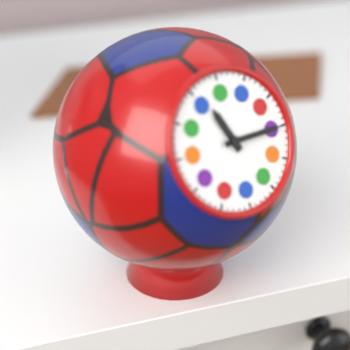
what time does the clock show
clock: 11:15
